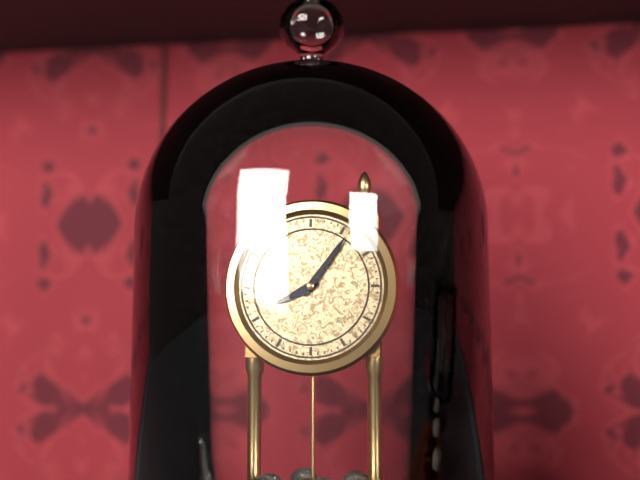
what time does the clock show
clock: 8:06
